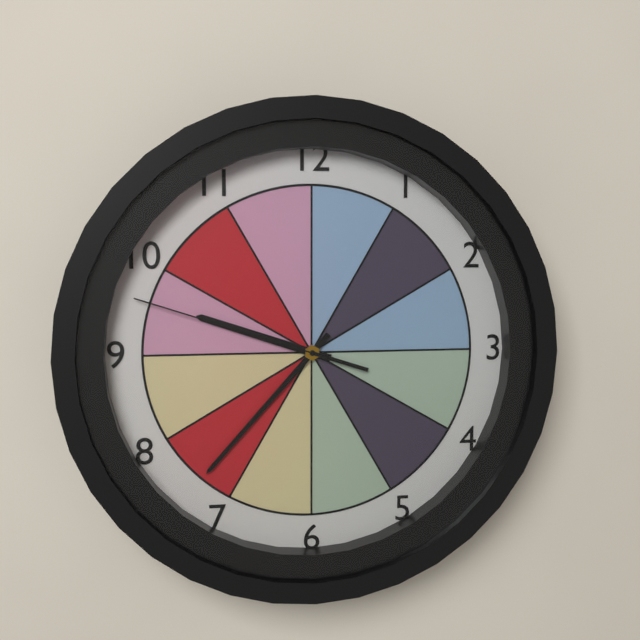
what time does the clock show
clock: 9:37:48
